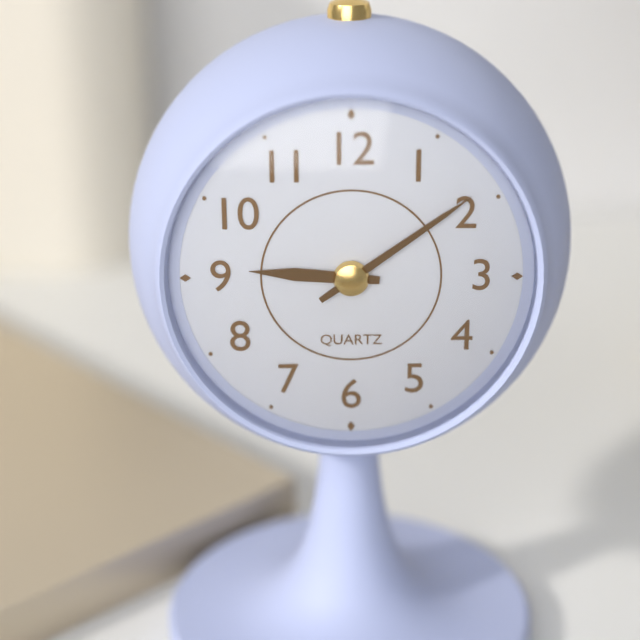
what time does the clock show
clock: 9:09
